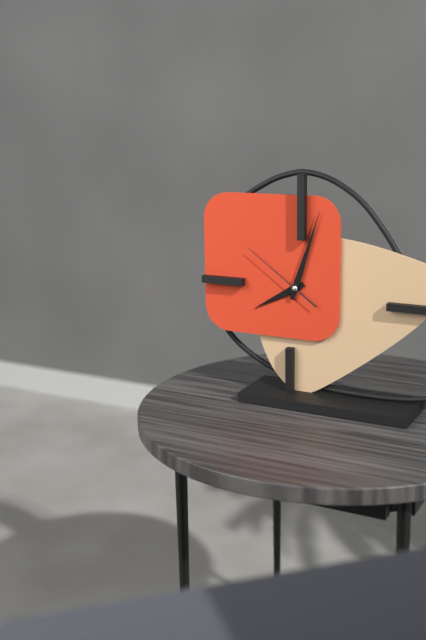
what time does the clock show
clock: 8:03:51
